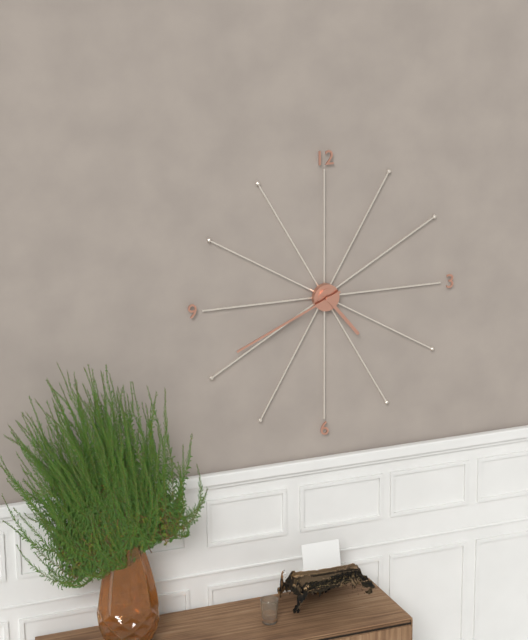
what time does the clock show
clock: 4:41
